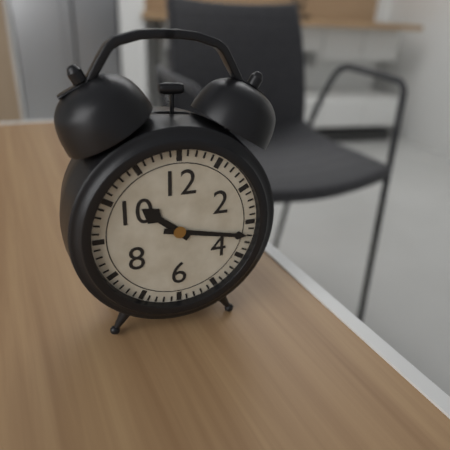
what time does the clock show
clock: 10:17
